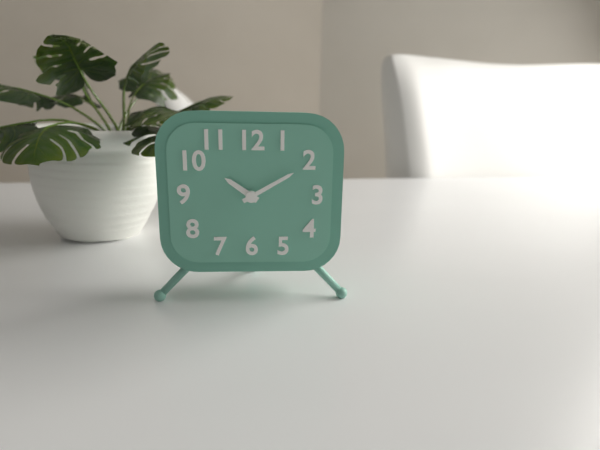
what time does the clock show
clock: 10:10
